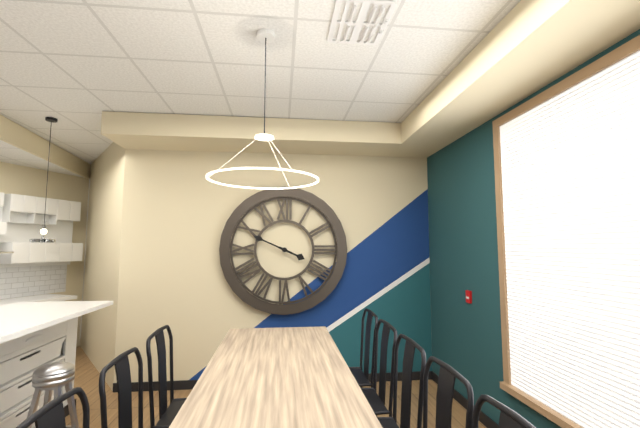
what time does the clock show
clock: 3:49
